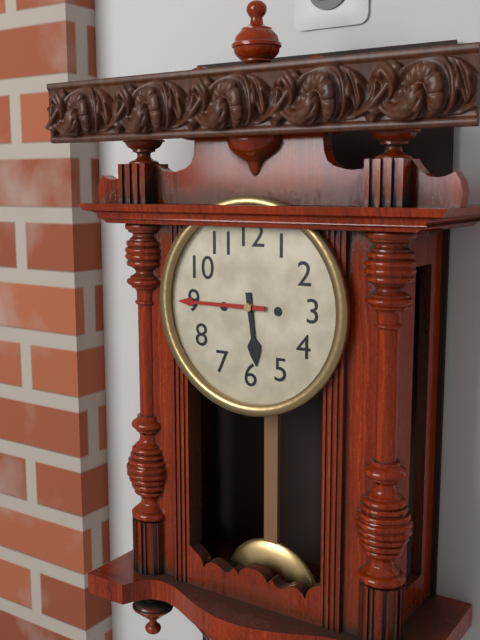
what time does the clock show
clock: 5:45
